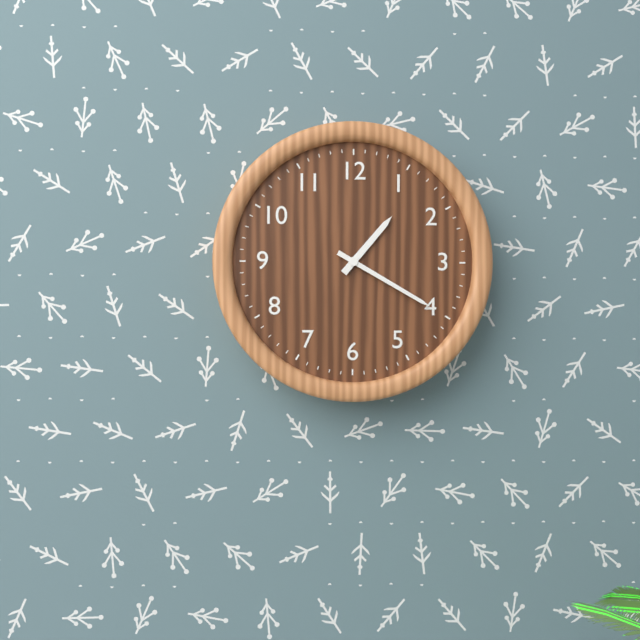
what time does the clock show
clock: 1:20
